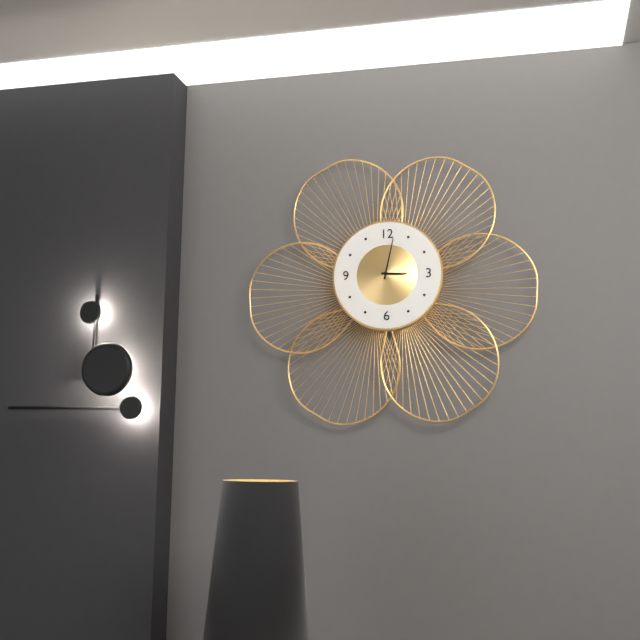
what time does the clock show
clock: 3:02
